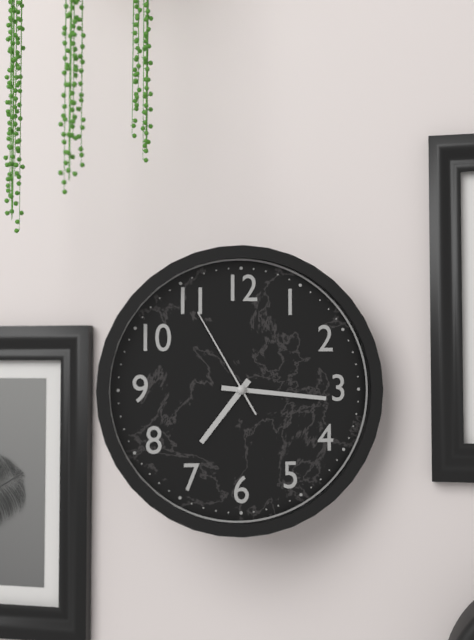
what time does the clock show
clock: 7:16:55
